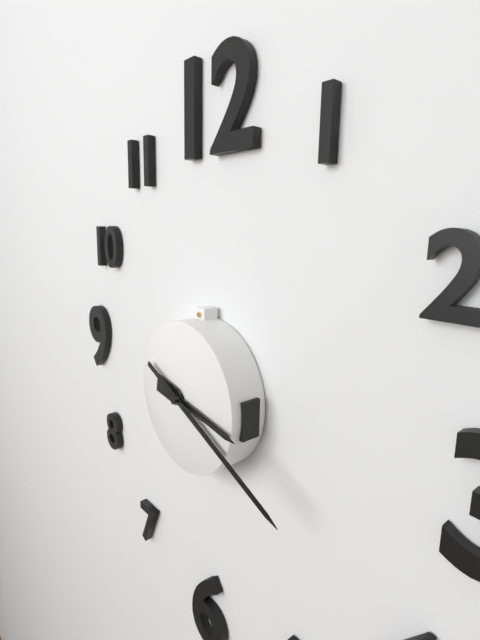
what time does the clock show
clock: 3:19:16
